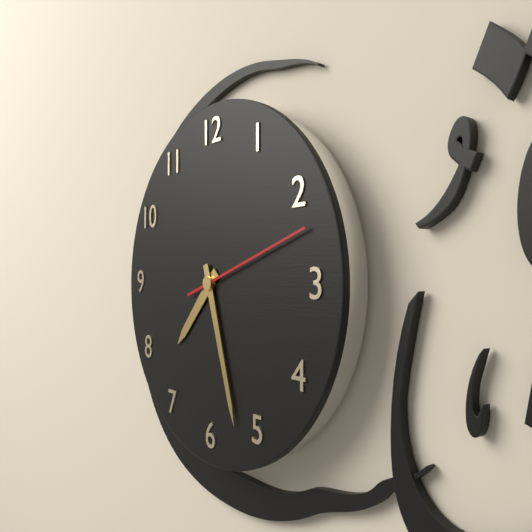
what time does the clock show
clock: 7:27:12
